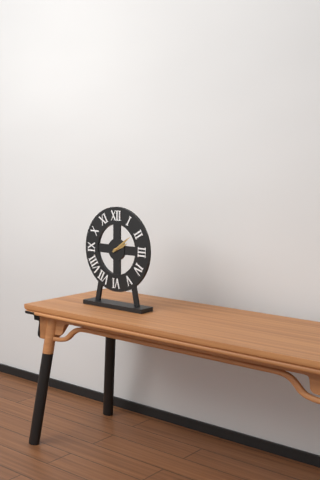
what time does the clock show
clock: 2:09
